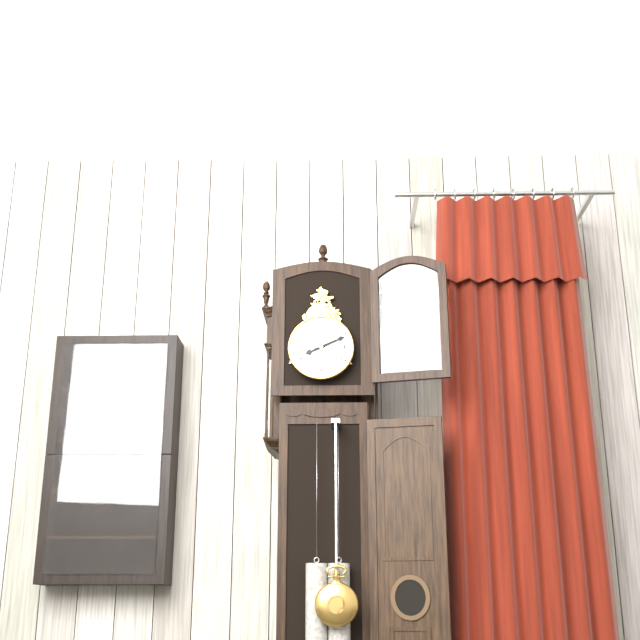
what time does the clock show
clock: 8:11
